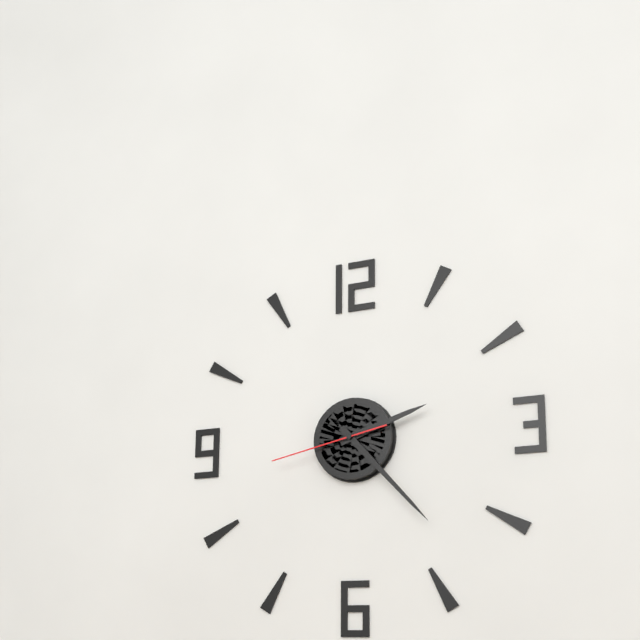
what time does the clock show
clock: 2:23:43
